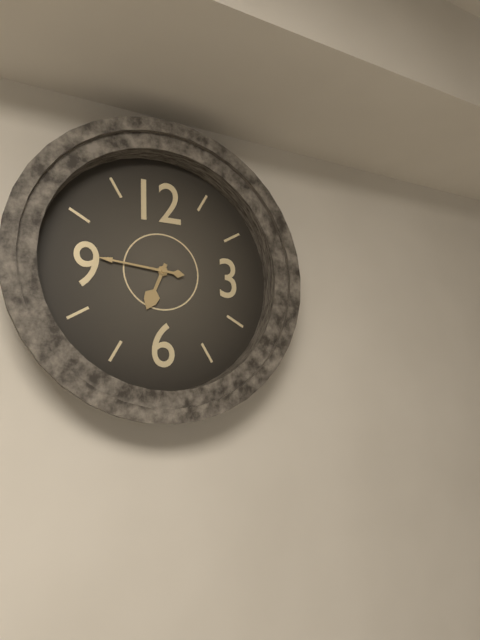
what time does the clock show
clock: 6:46
